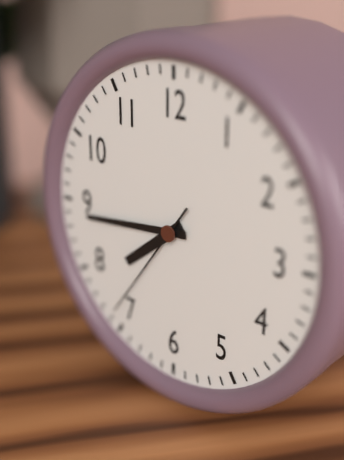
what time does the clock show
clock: 7:44:36
